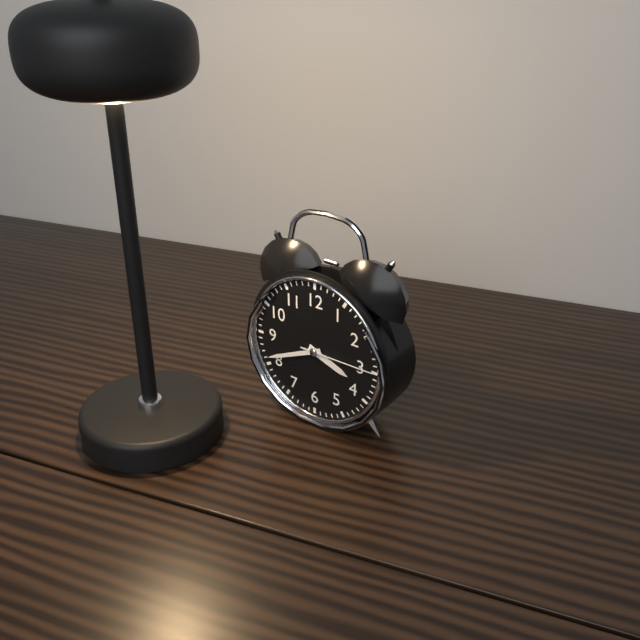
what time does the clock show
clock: 3:41:15
